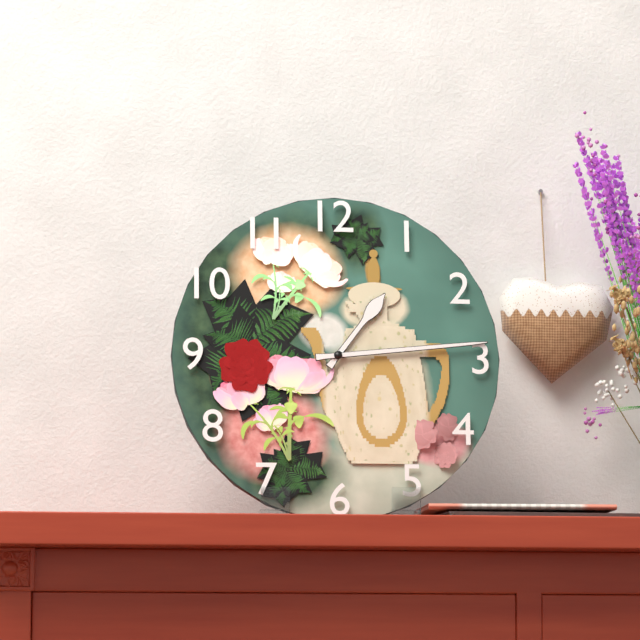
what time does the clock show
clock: 1:14
